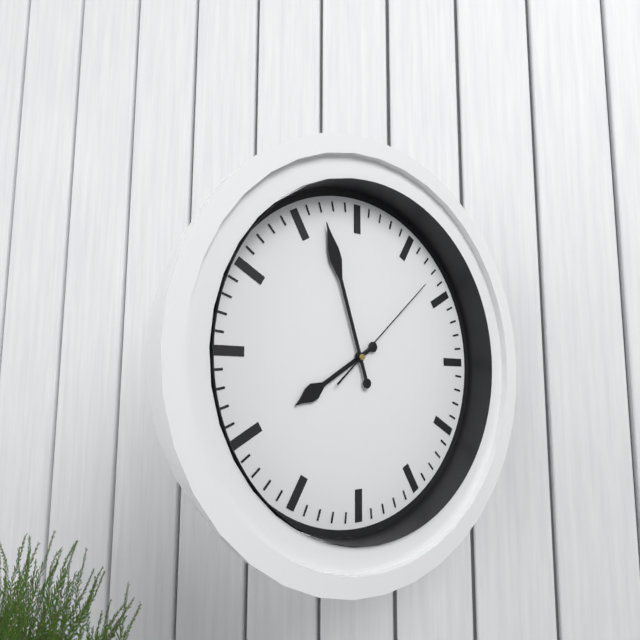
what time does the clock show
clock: 7:57:08
